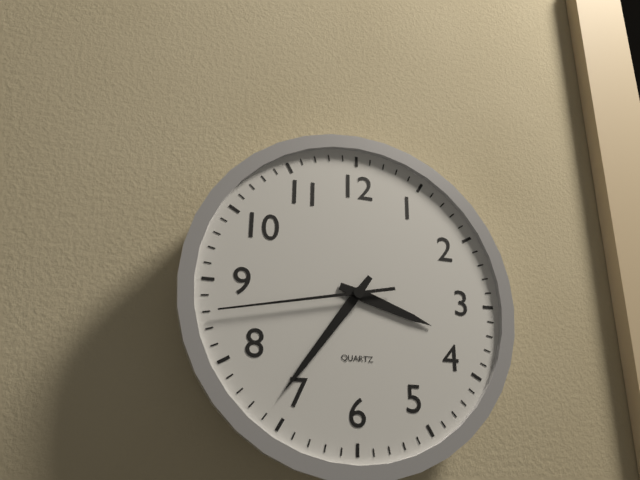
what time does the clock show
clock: 3:36:43
